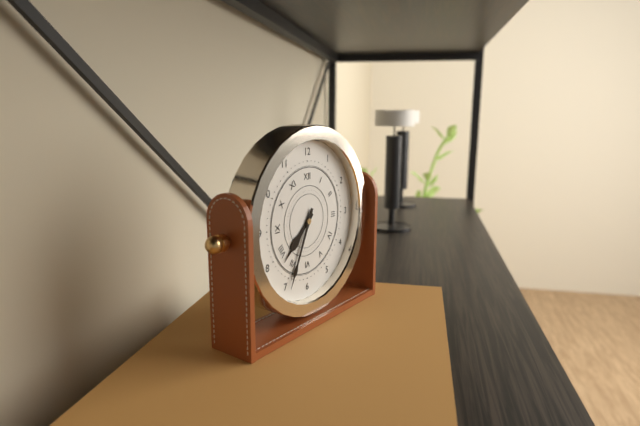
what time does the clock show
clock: 7:34
